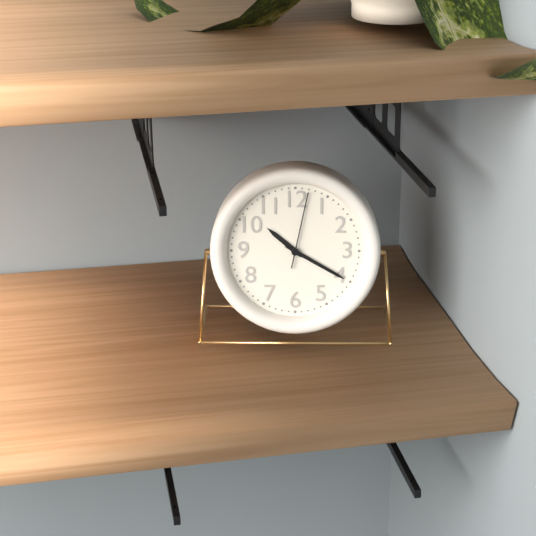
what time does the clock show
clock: 10:20:02
